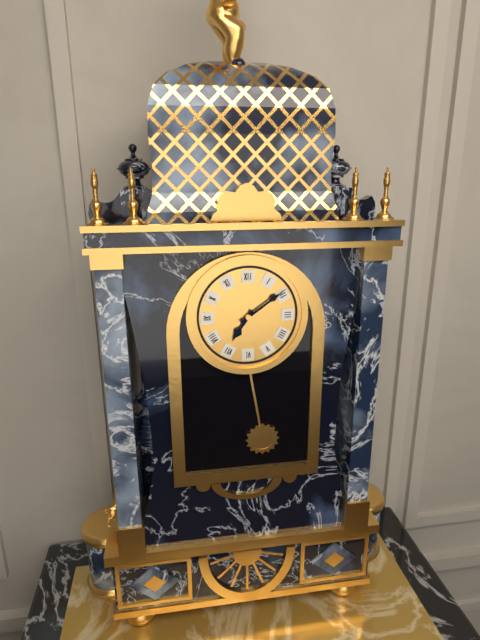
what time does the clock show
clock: 7:09
